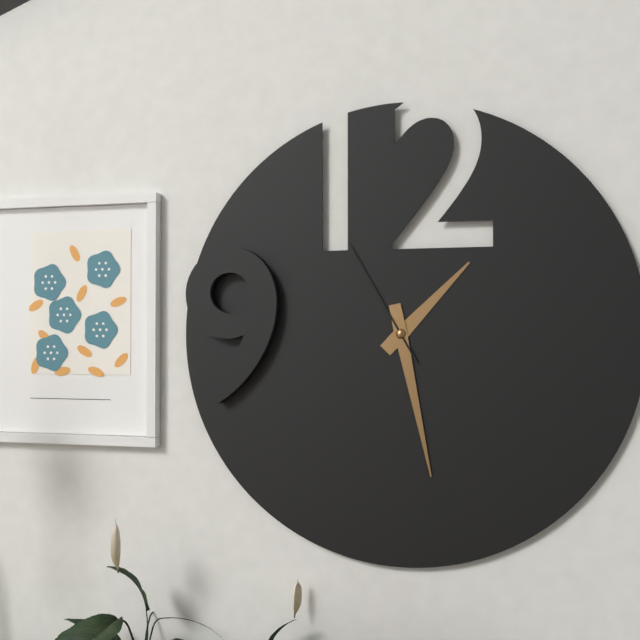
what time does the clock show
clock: 1:28:55
